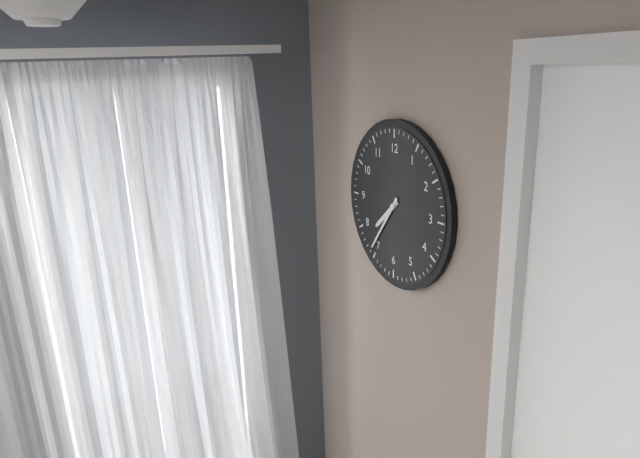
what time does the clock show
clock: 7:36
